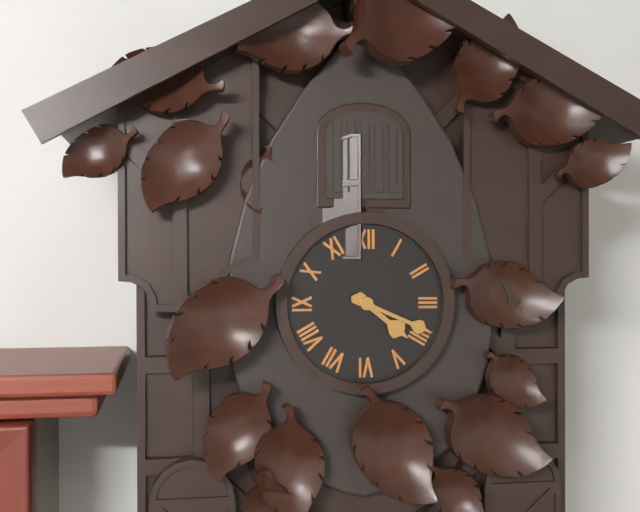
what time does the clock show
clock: 4:19
